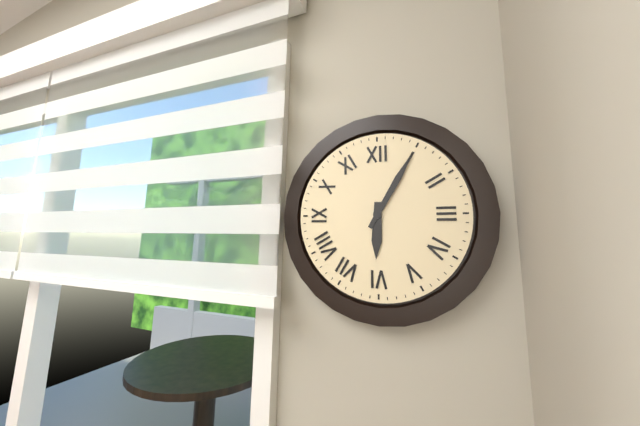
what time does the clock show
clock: 6:05
